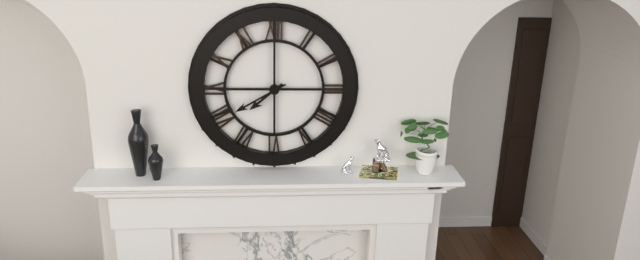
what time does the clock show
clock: 7:40
